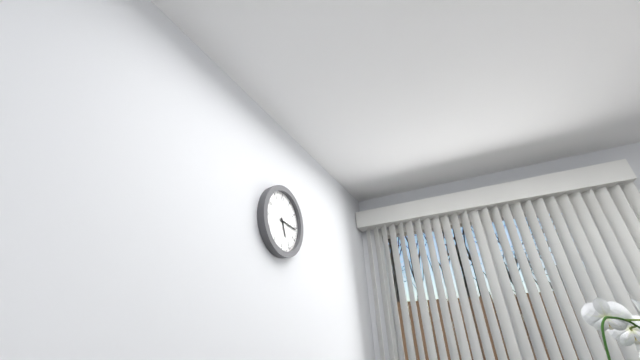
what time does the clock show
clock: 5:16
